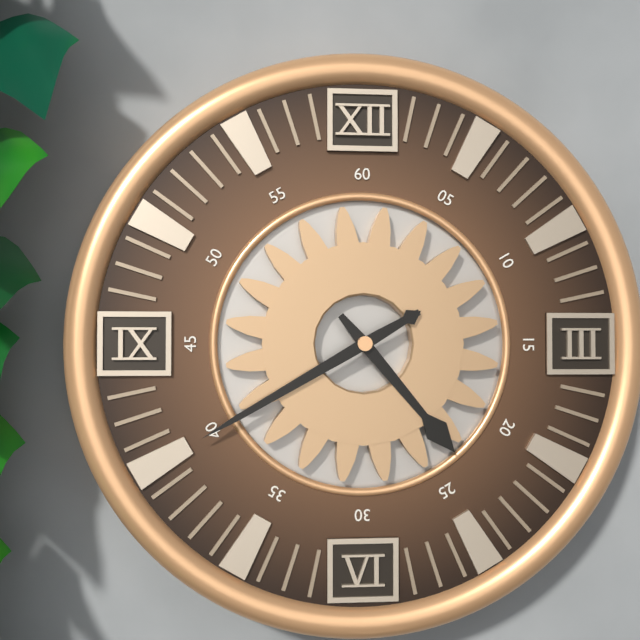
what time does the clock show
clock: 4:40
